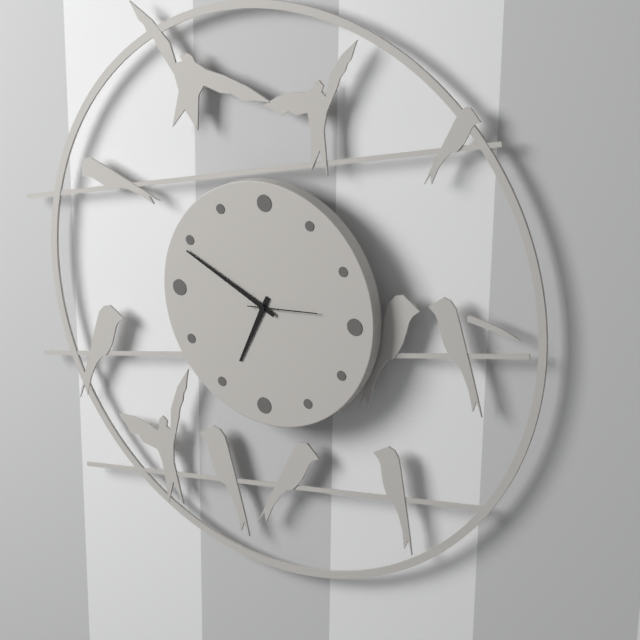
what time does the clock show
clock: 6:49:14
